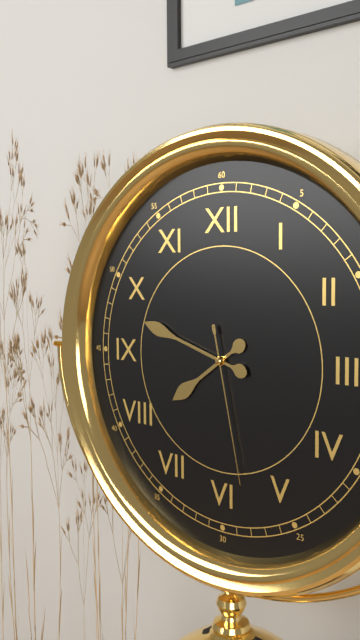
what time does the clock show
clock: 7:48:28
